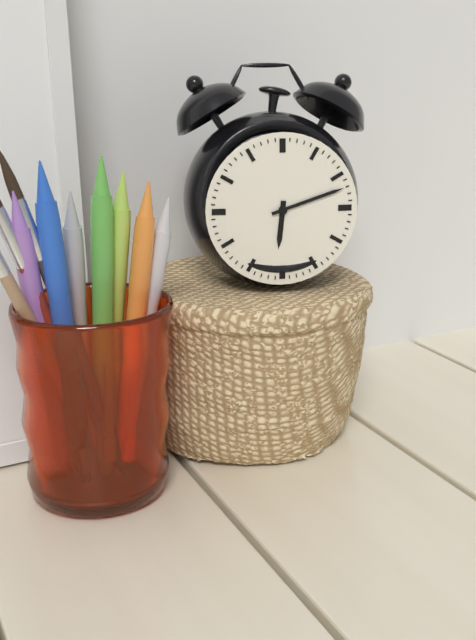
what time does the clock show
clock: 6:12
